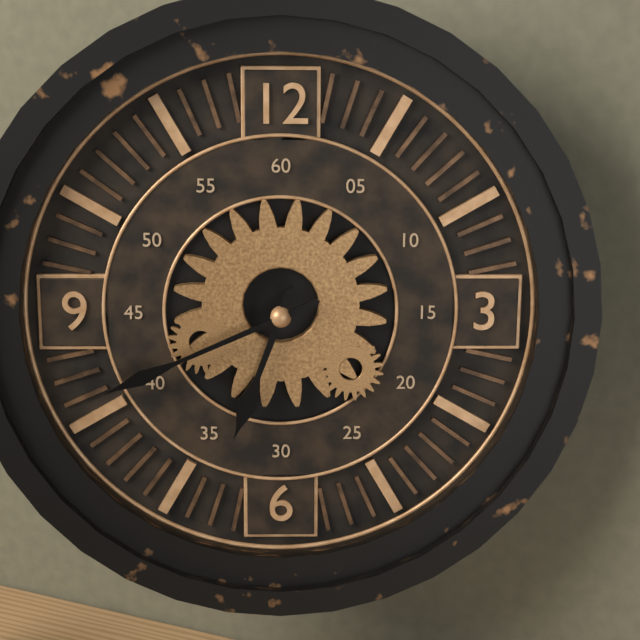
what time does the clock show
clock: 6:41
